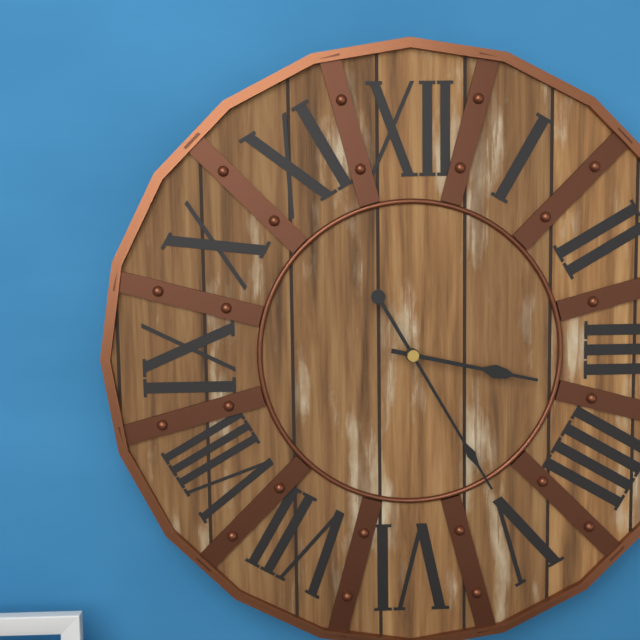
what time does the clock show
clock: 3:25
